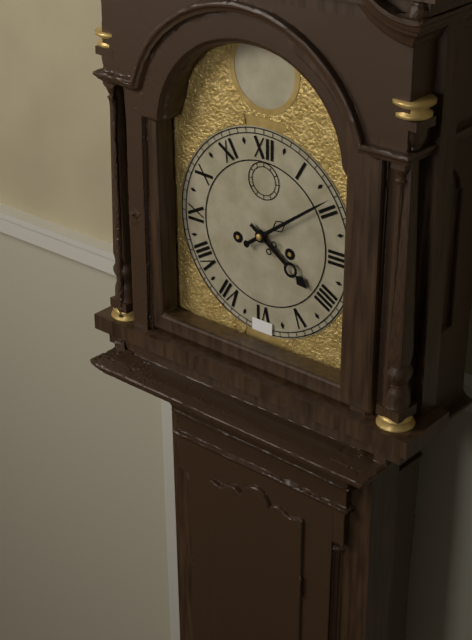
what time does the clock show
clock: 4:09
